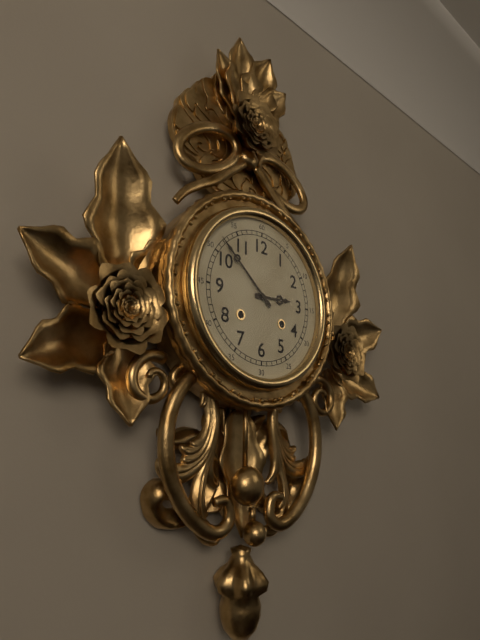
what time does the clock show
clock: 2:52
